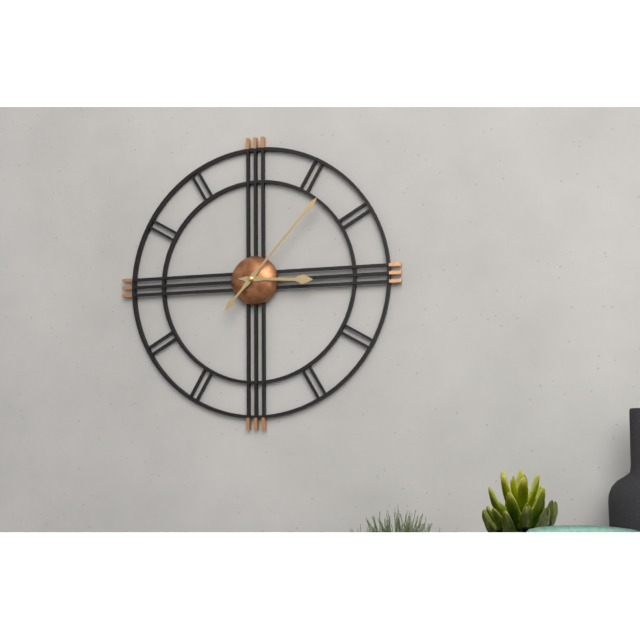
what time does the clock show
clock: 3:07
